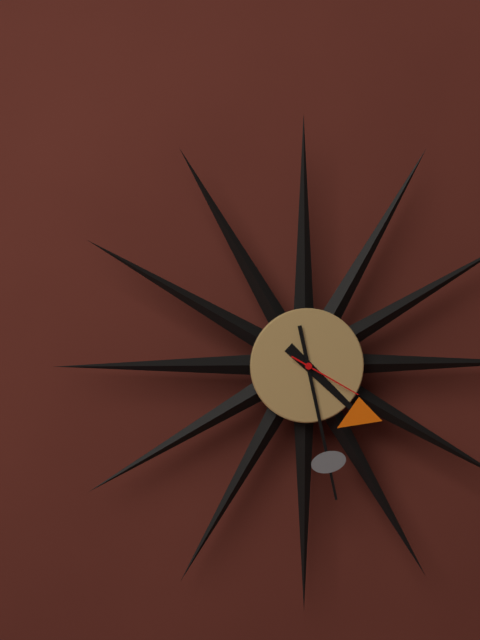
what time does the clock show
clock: 4:28:20
